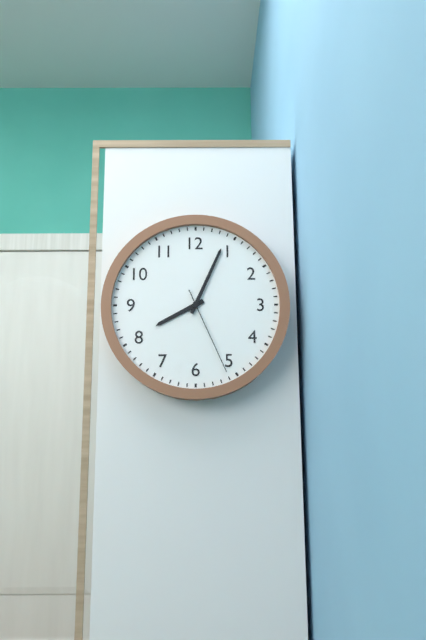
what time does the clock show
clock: 8:04:26
